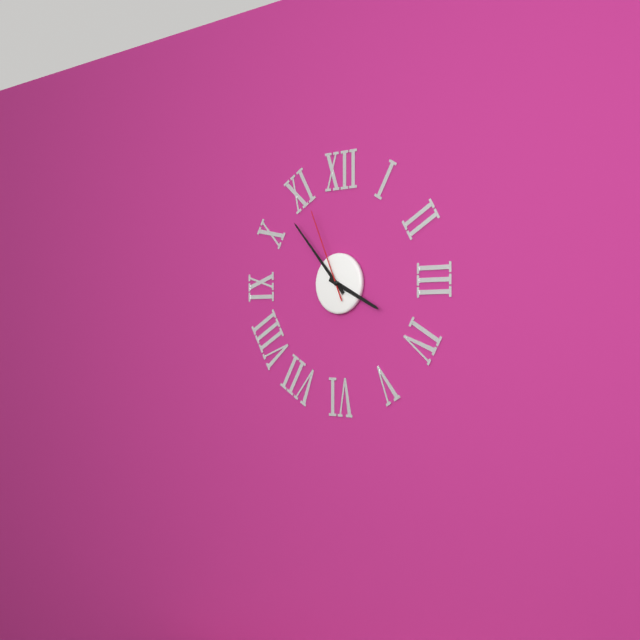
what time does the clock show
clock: 3:53:56
